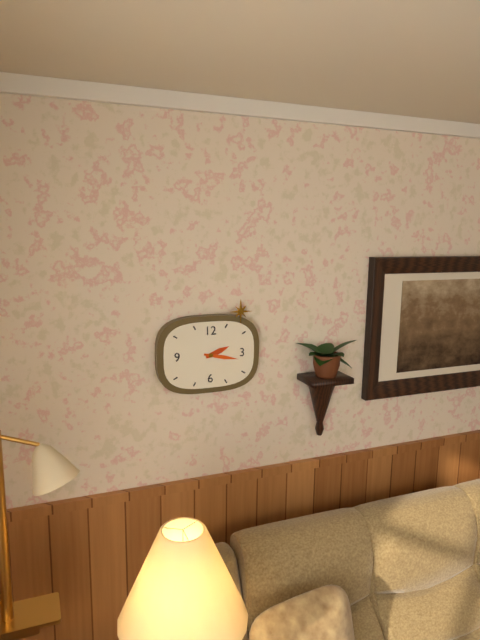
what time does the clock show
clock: 2:17
